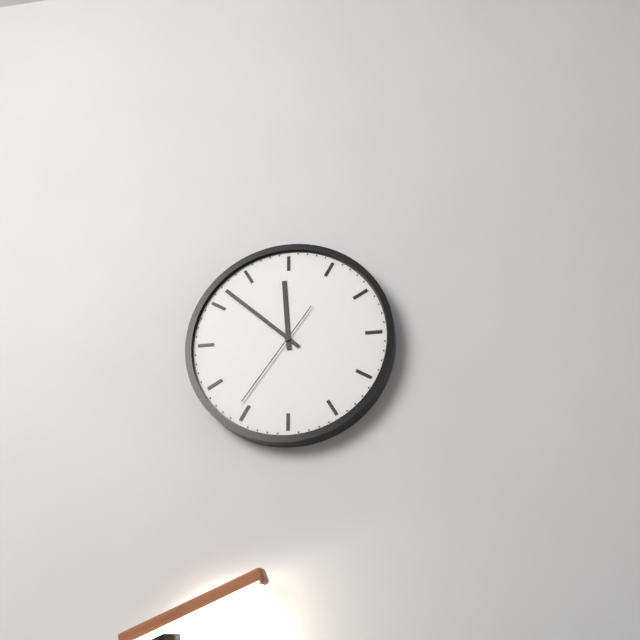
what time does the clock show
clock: 11:52:36
